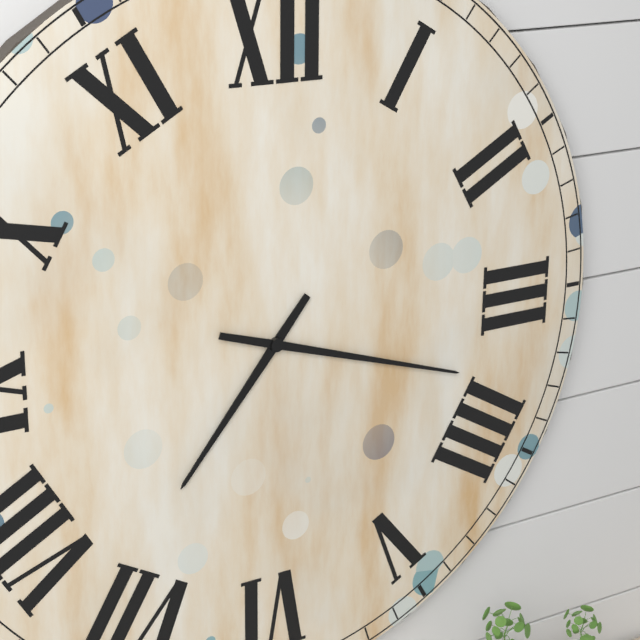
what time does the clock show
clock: 7:18
